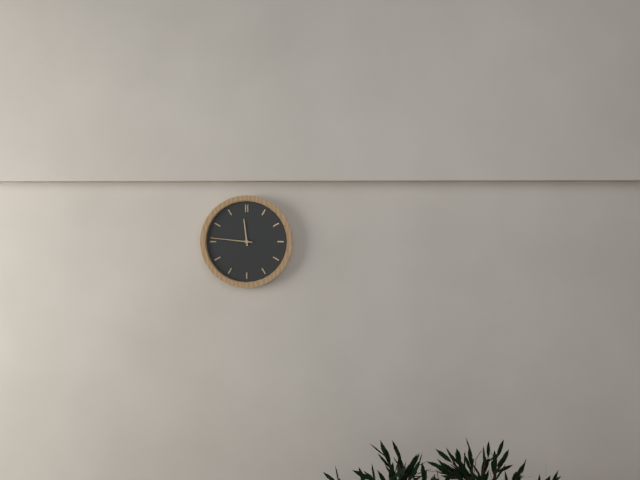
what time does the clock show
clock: 11:46
